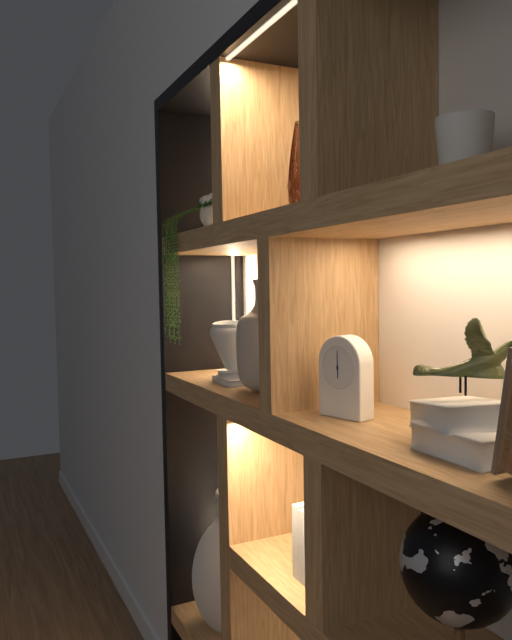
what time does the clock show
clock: 6:00
